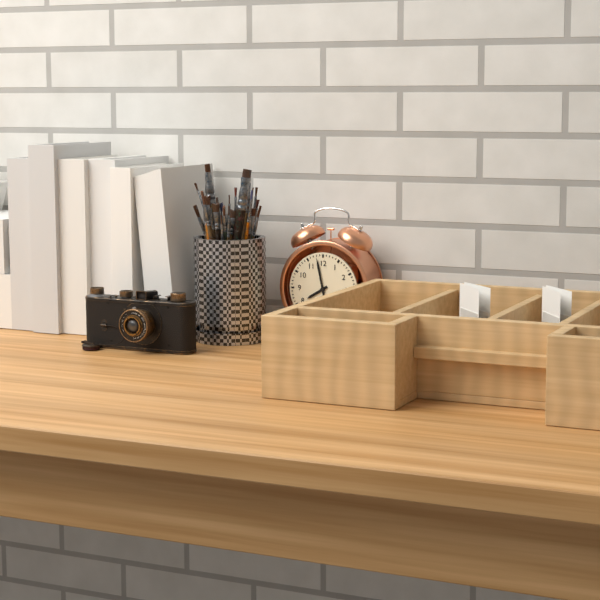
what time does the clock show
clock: 7:58
